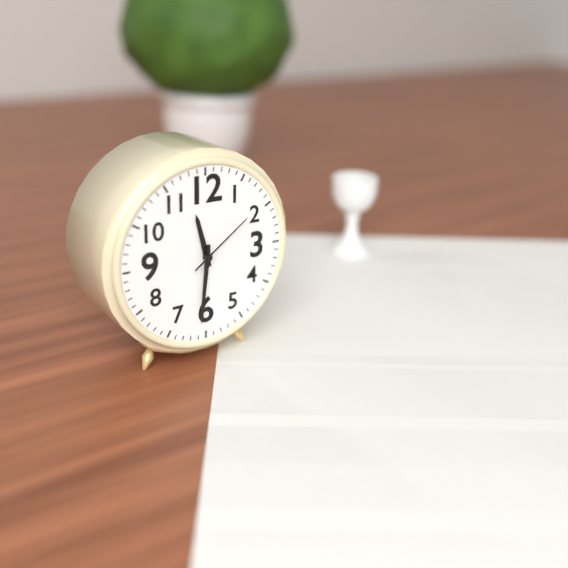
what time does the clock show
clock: 11:31:09
